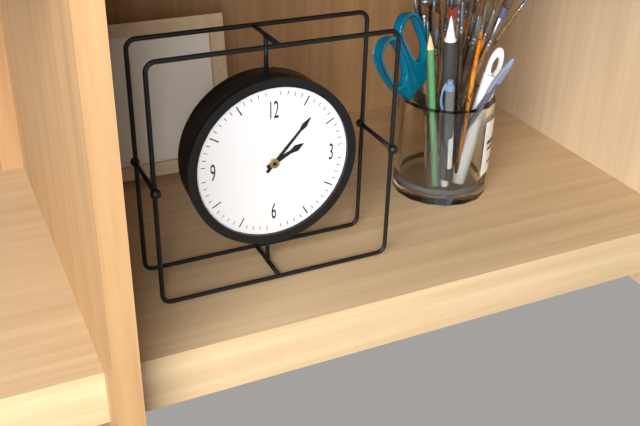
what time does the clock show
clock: 2:07
